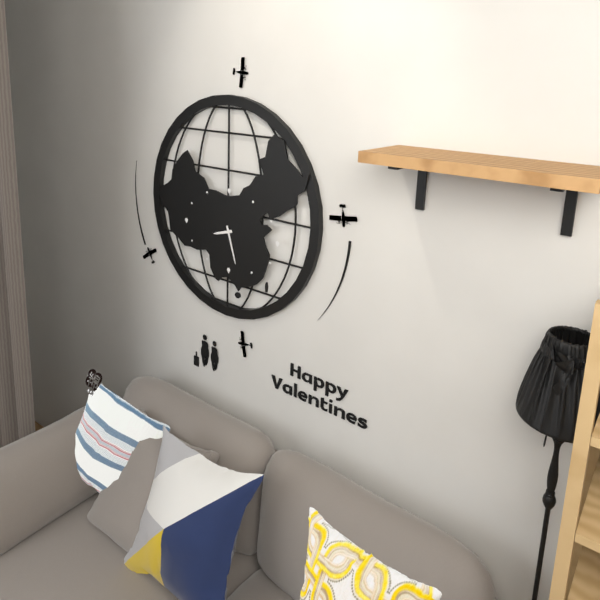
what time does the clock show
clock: 8:27
